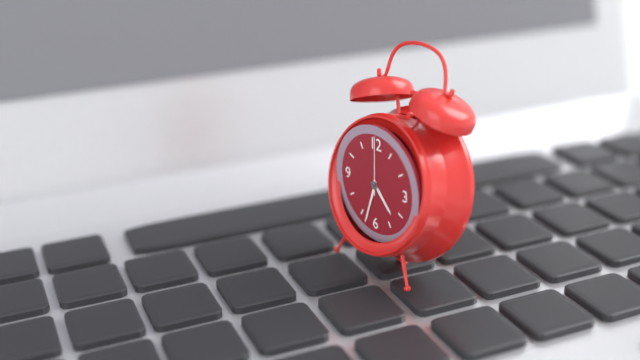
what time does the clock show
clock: 4:33:00
